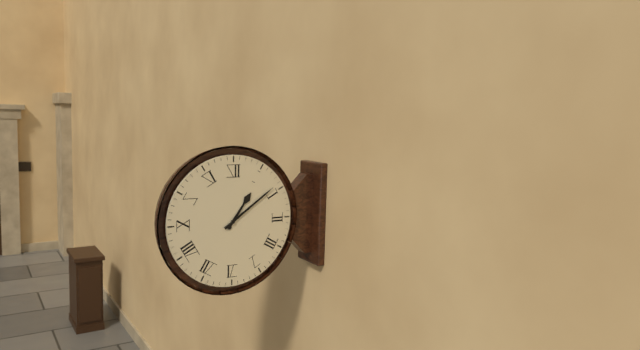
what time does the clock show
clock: 1:09
